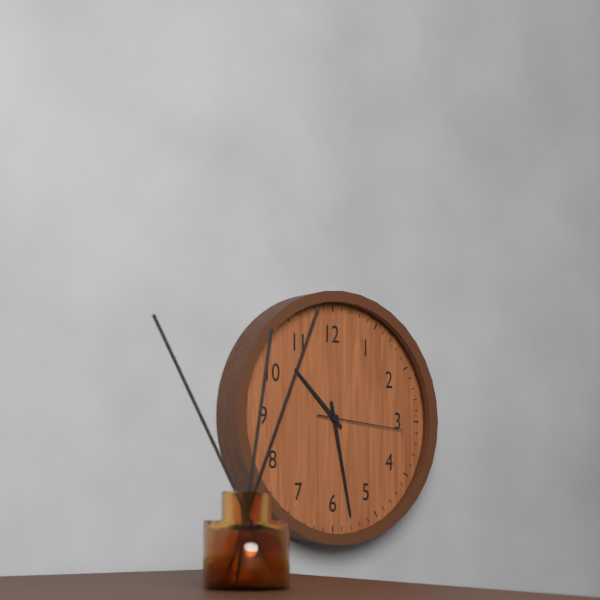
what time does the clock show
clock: 10:28:16
